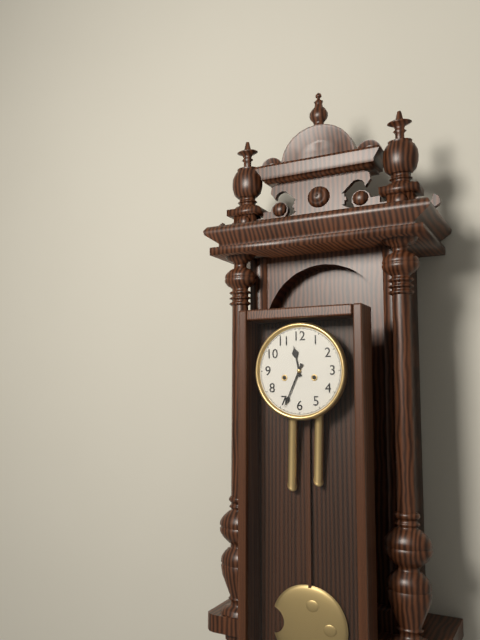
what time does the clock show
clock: 11:34
